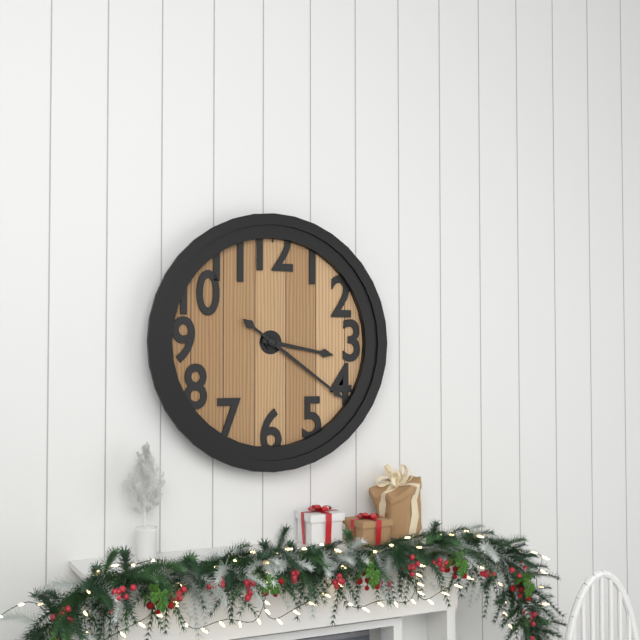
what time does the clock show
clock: 3:21
